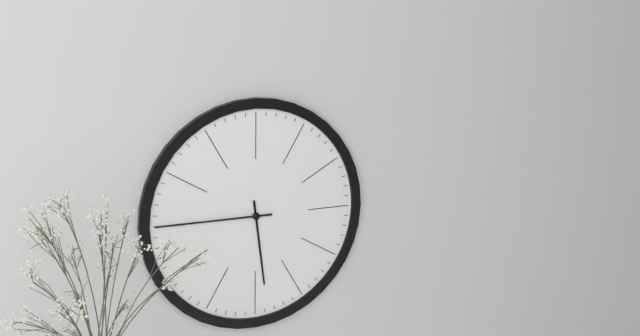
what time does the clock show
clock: 5:45
